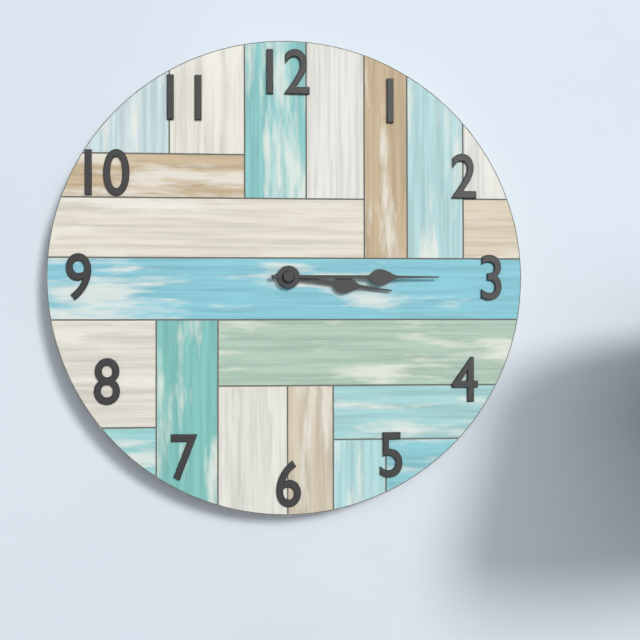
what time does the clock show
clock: 3:15
